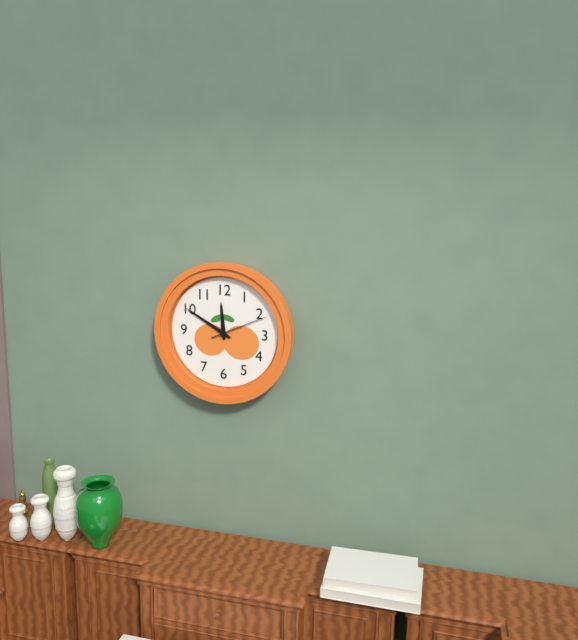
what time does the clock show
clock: 11:50:11
